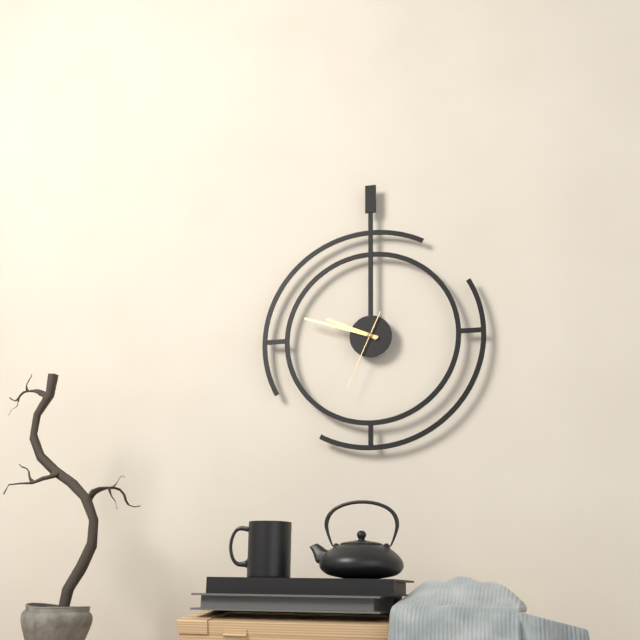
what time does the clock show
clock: 9:48:34
